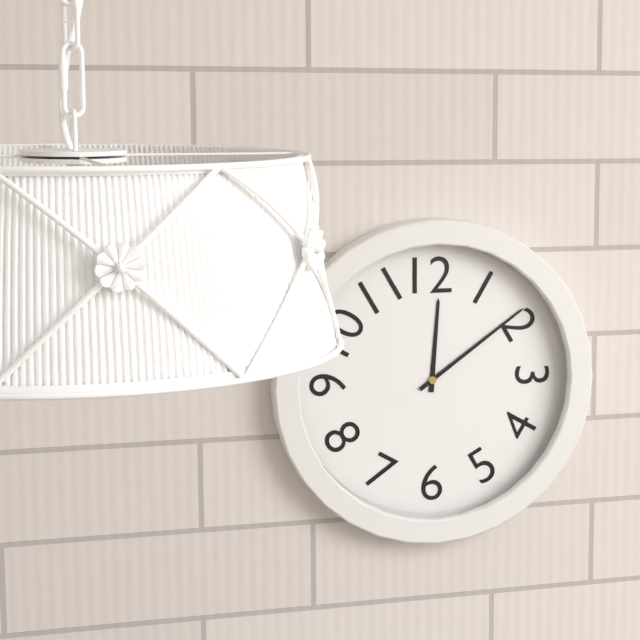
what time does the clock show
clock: 12:09
